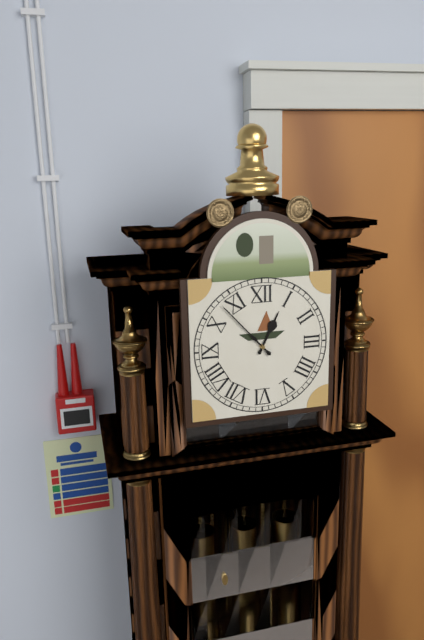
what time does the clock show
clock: 12:53
